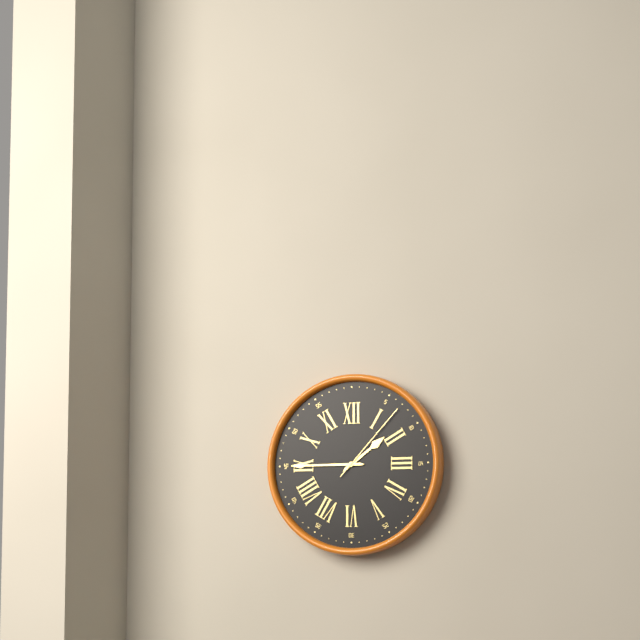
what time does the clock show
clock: 1:45:07
